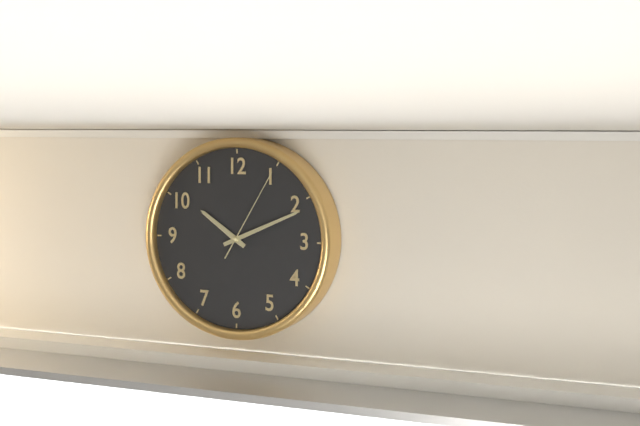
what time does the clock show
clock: 10:11:05
